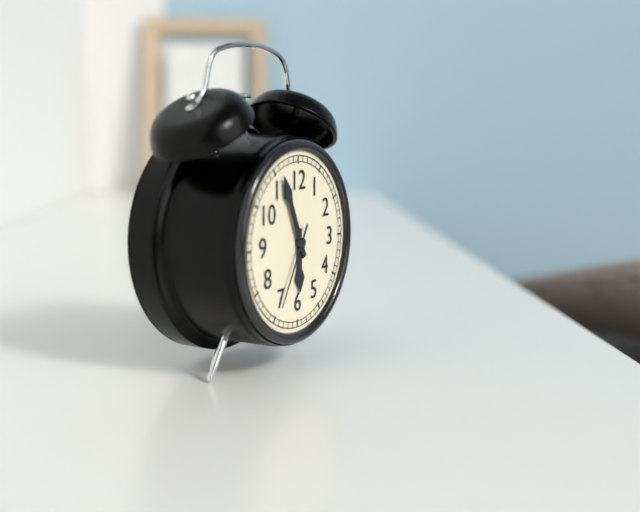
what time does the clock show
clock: 5:56:35
